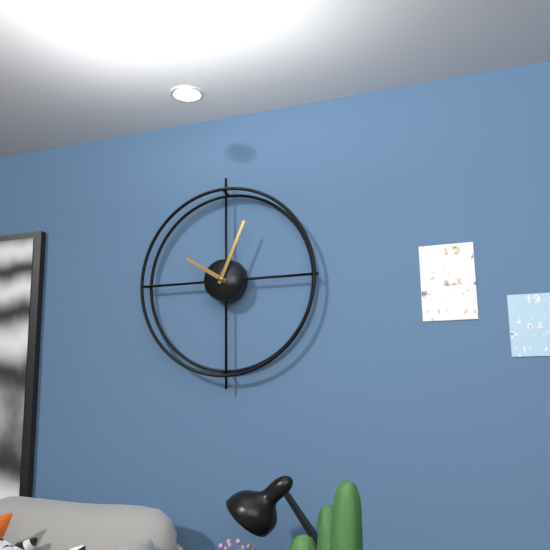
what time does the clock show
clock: 10:04
